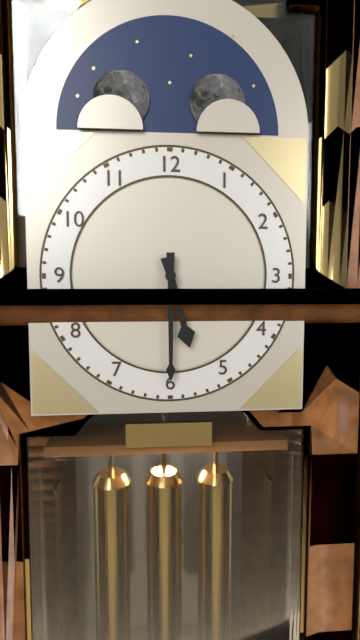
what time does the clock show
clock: 5:30
